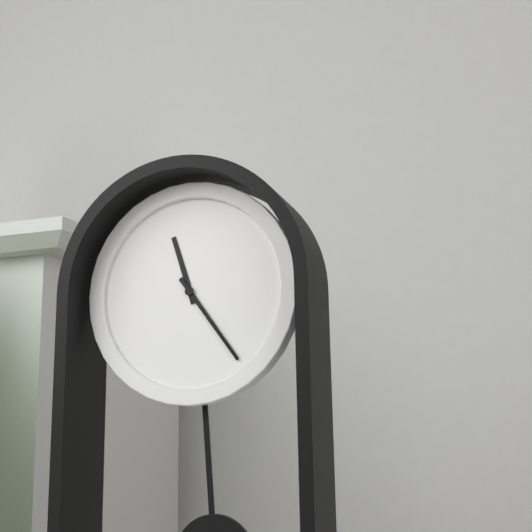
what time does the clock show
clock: 11:24
